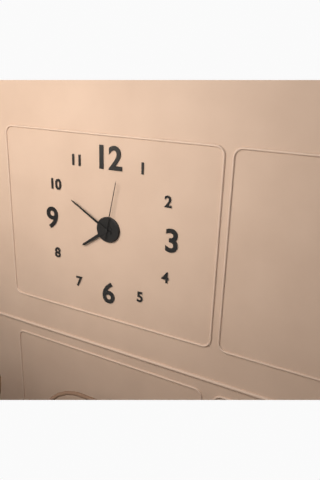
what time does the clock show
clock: 7:50:02
